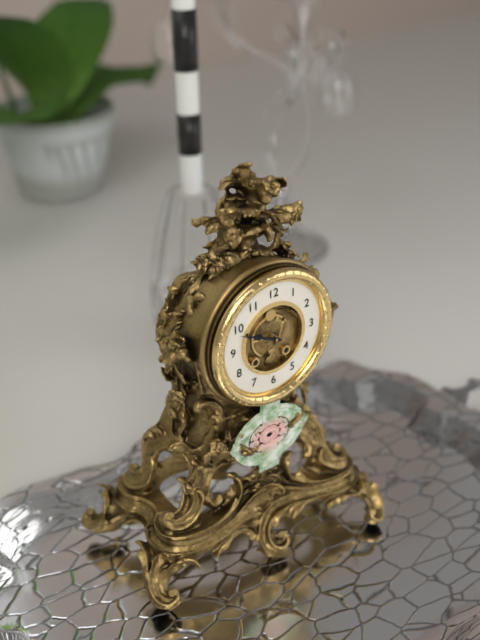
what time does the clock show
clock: 9:49
